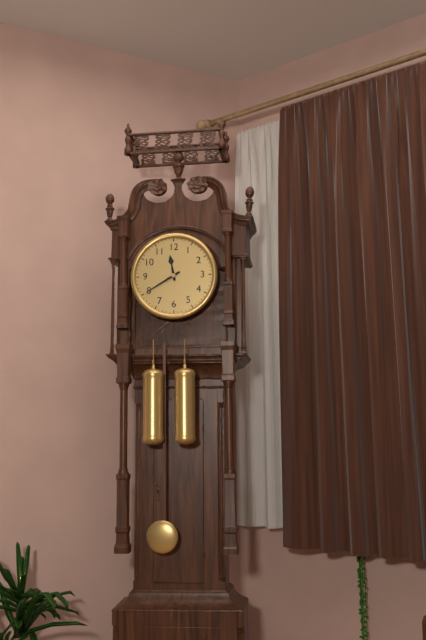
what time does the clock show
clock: 11:40
